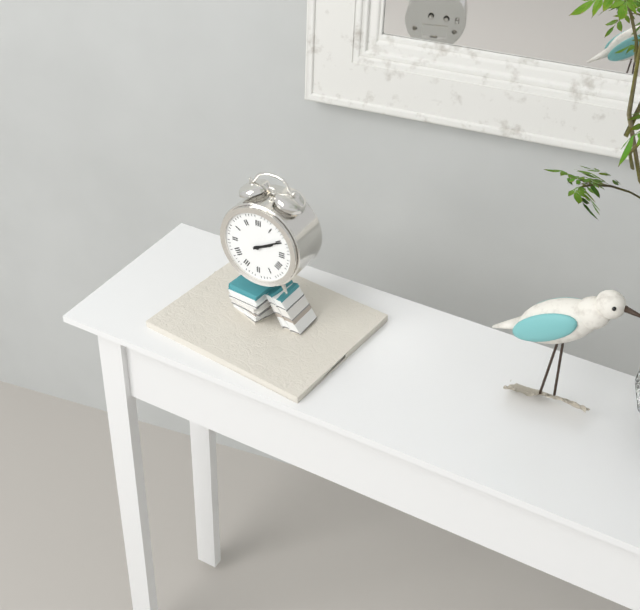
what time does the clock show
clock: 2:10
